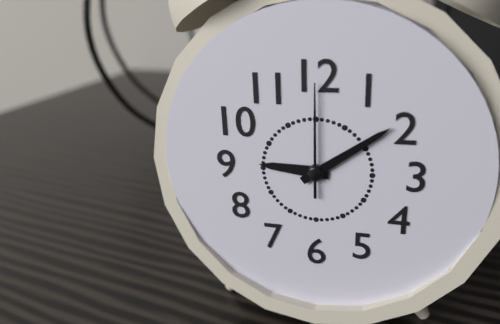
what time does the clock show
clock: 9:09:00
